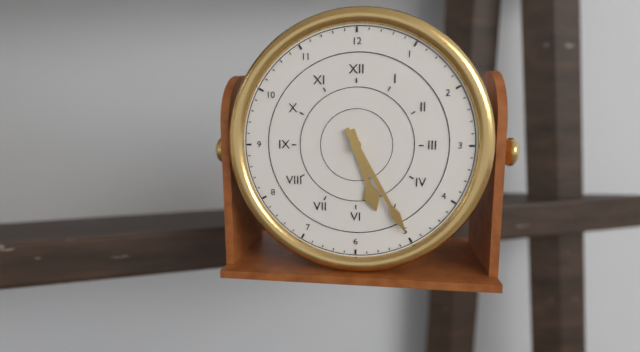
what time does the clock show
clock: 5:25
